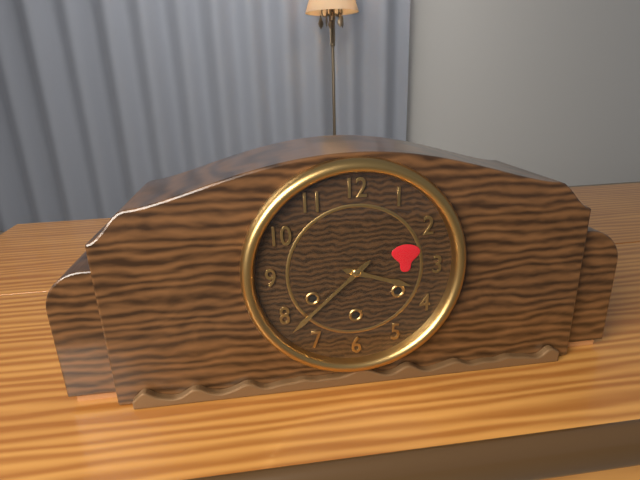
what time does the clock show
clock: 3:38
